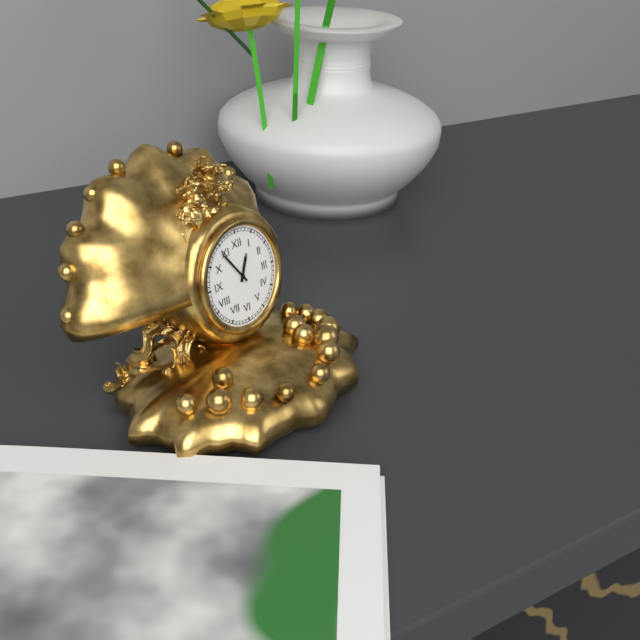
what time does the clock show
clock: 12:54
